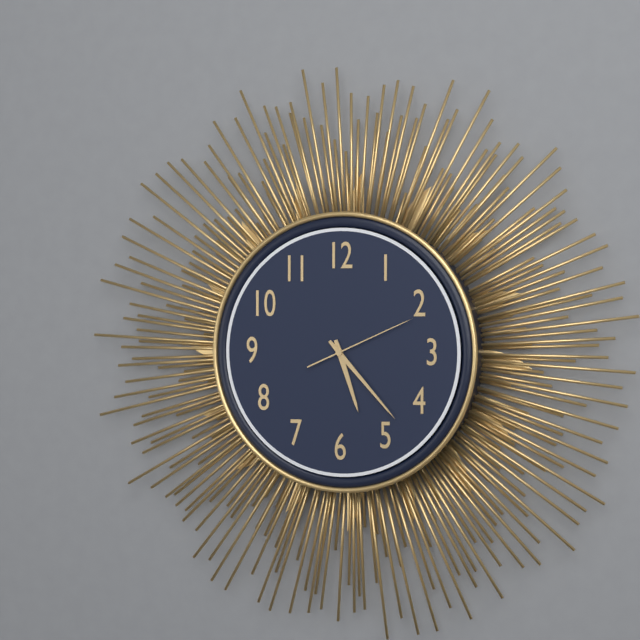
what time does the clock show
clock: 5:23:11
